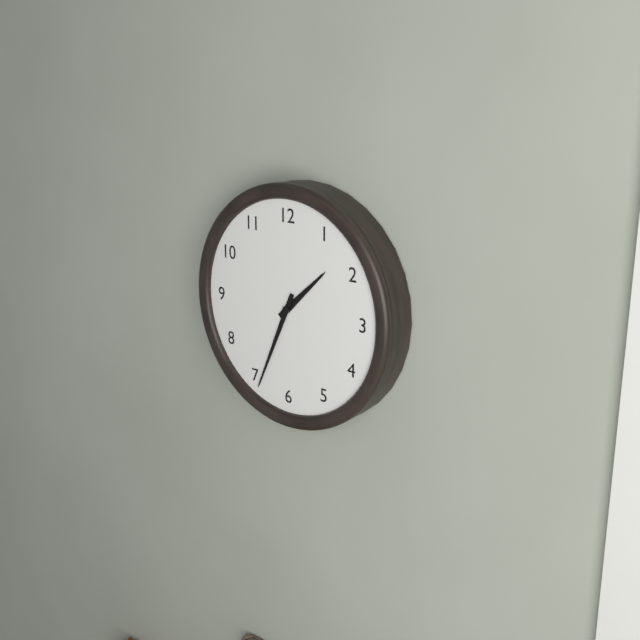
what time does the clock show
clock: 1:34
